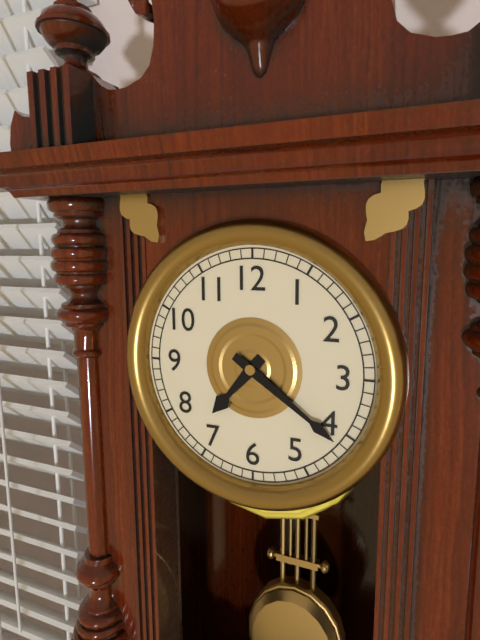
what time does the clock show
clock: 7:21
